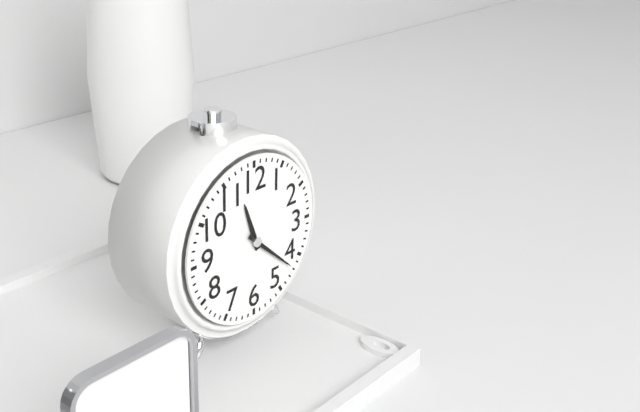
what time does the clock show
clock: 11:22
